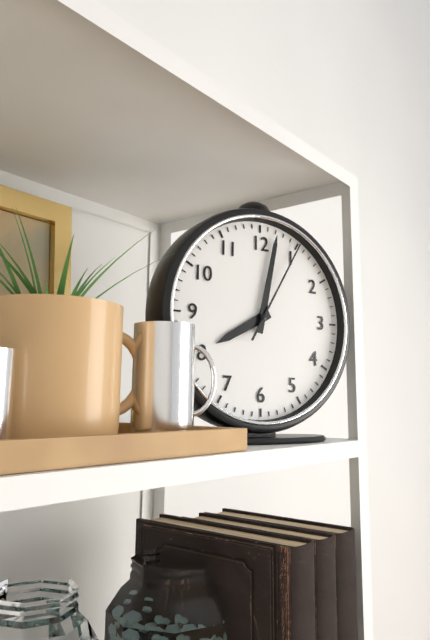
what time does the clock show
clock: 8:02:05
